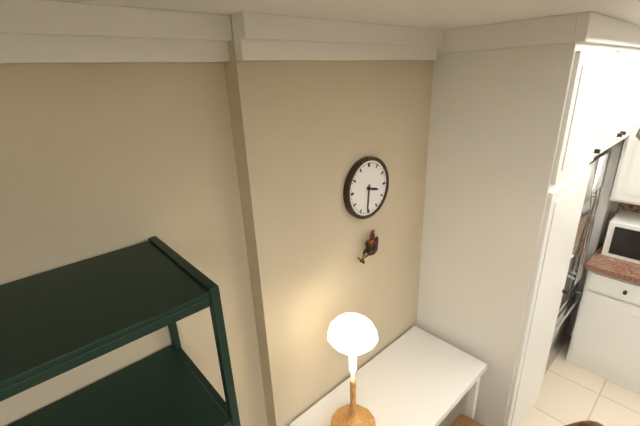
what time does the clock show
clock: 3:31
